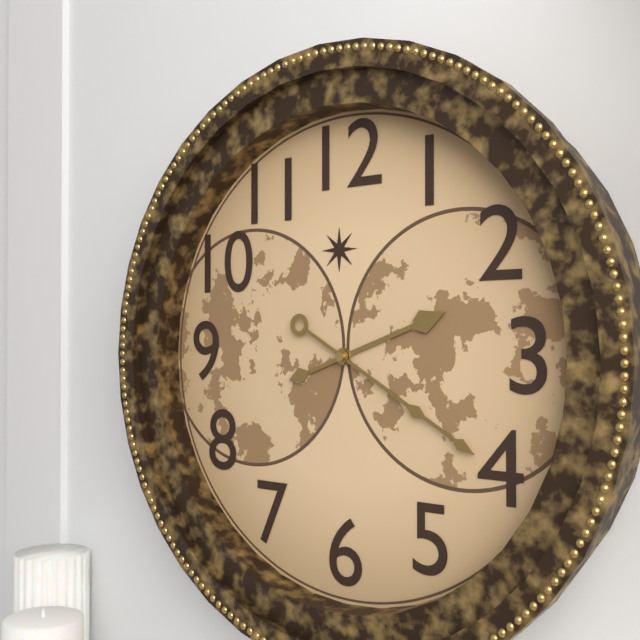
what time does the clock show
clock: 2:20
